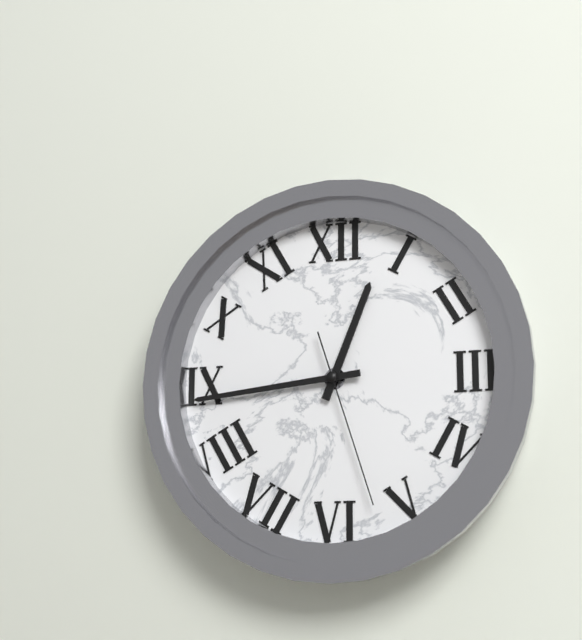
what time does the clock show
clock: 12:44:27
